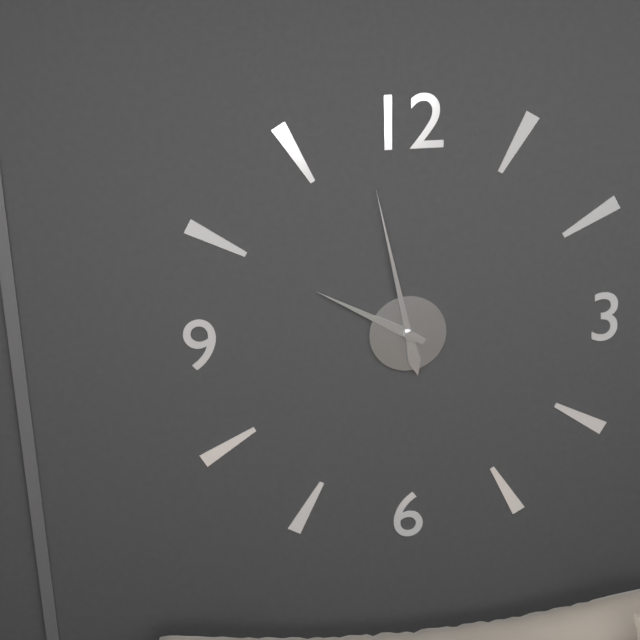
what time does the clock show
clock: 9:58
